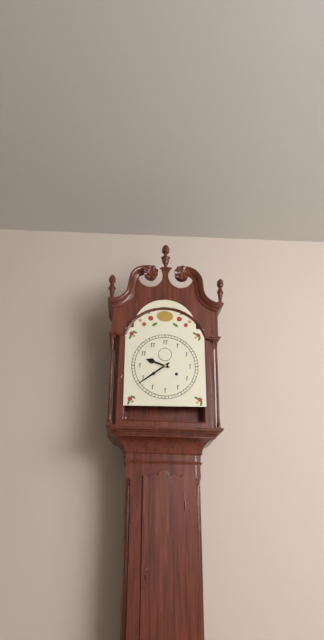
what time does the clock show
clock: 9:39
